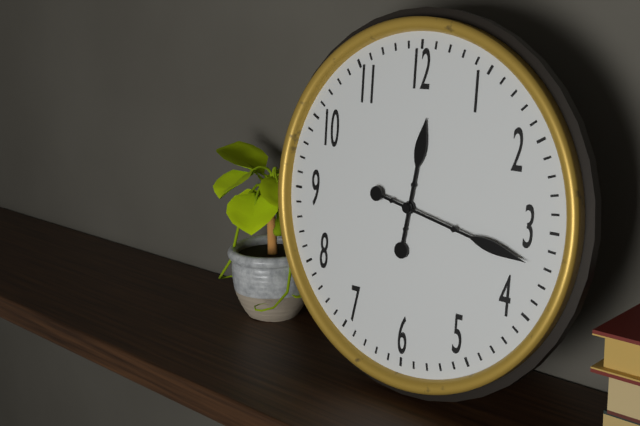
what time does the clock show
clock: 12:17
